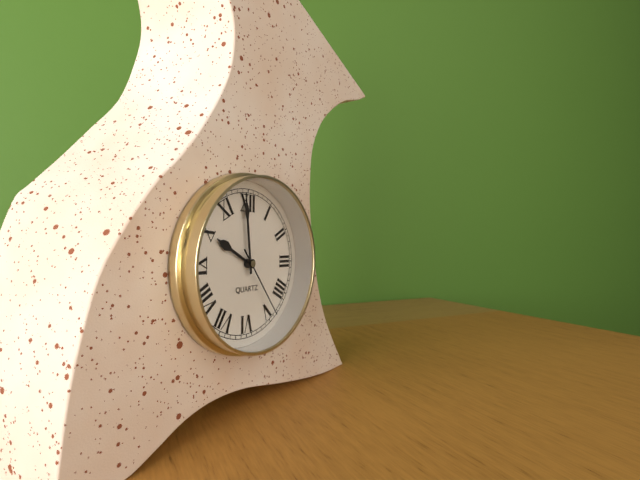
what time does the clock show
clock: 9:59:24
